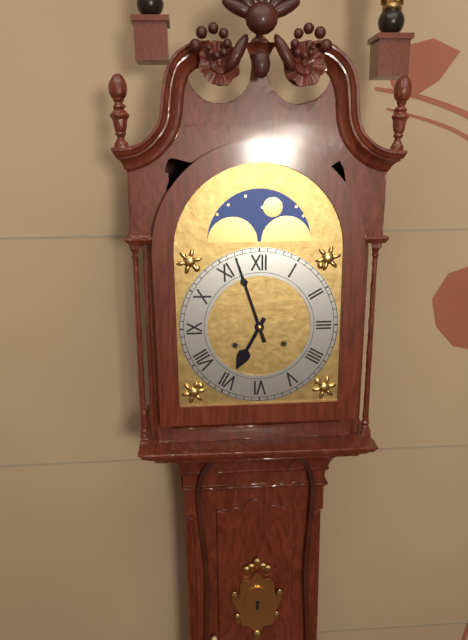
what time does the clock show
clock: 6:57
